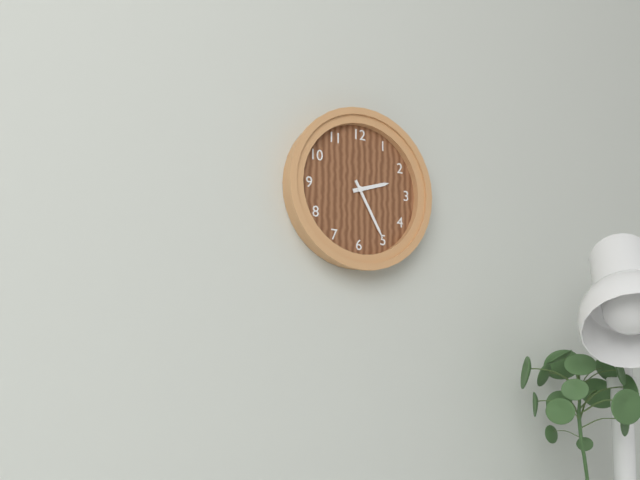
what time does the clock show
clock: 2:25
